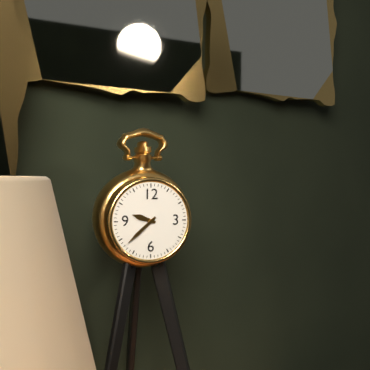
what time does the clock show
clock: 9:38
